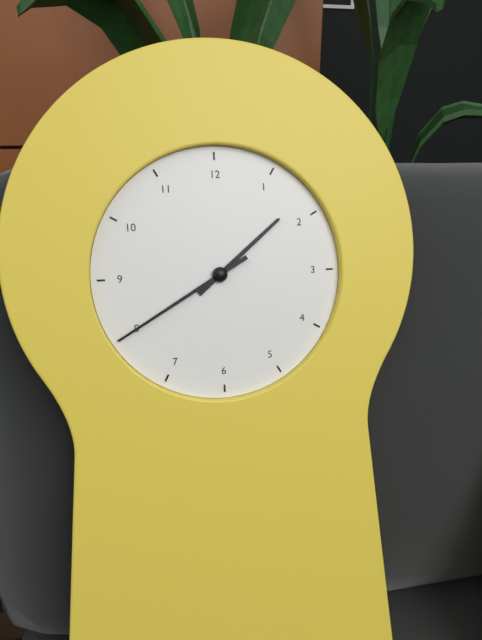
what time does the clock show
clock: 1:40
